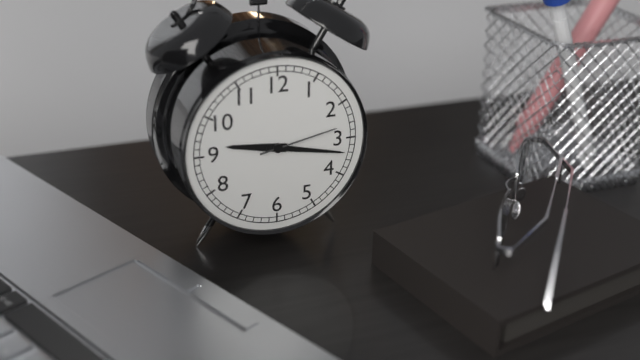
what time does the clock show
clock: 9:17:13
